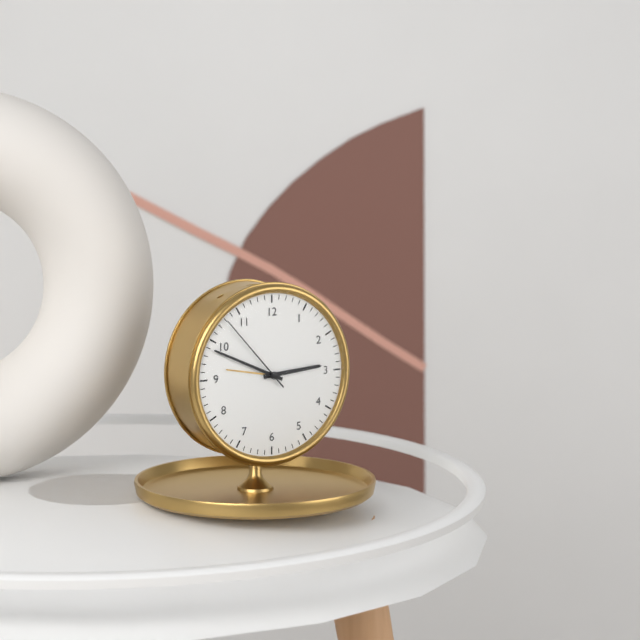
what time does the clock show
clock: 2:49:53
